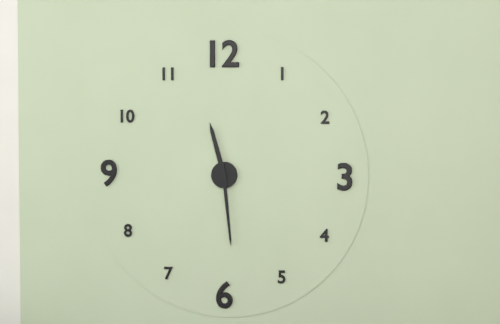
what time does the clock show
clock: 11:29
